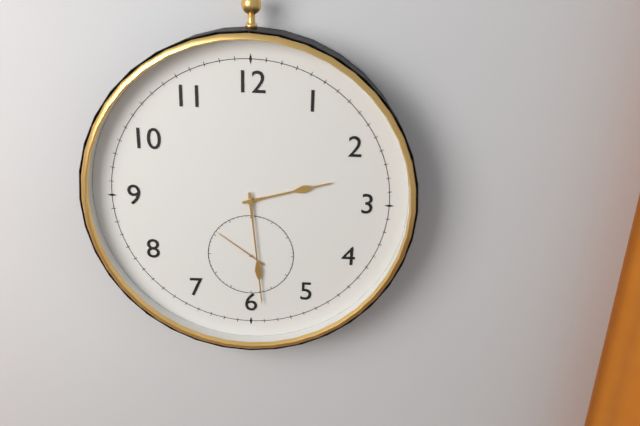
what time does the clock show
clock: 2:29:51
